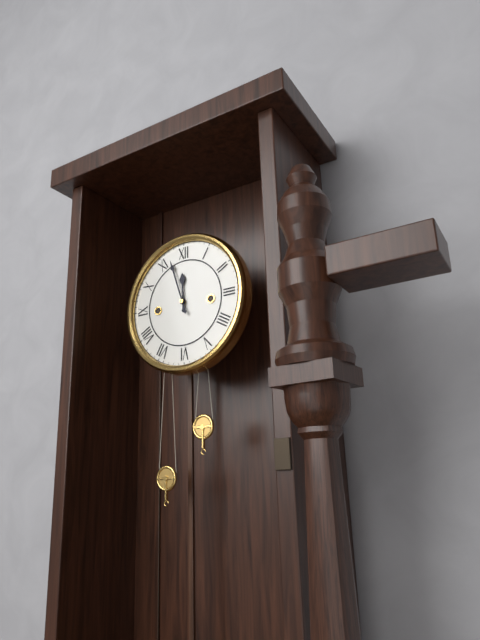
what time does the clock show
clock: 11:57
